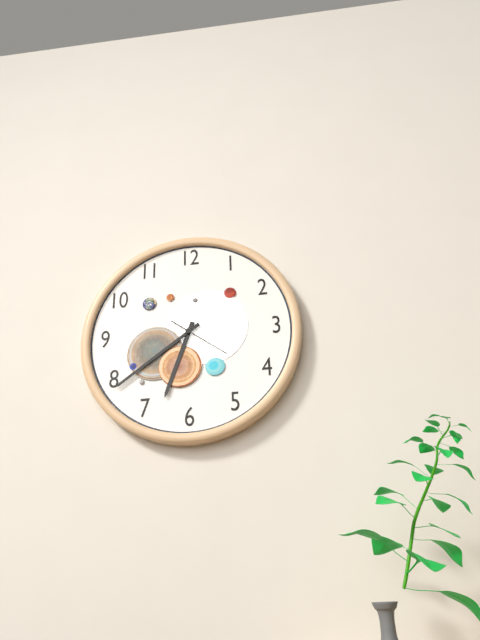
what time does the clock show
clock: 6:39:21
